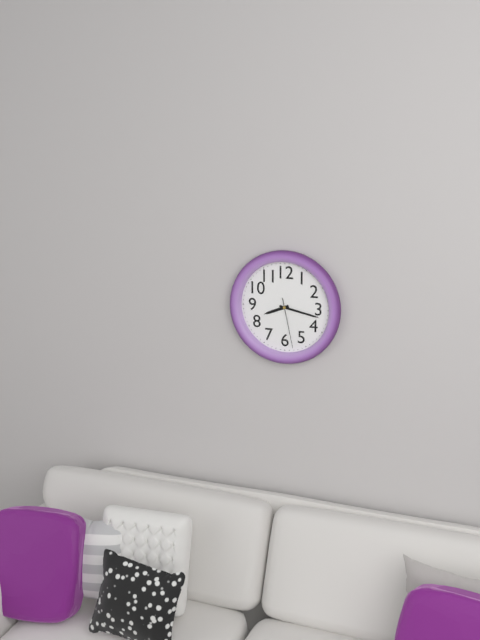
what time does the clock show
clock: 8:17:28
